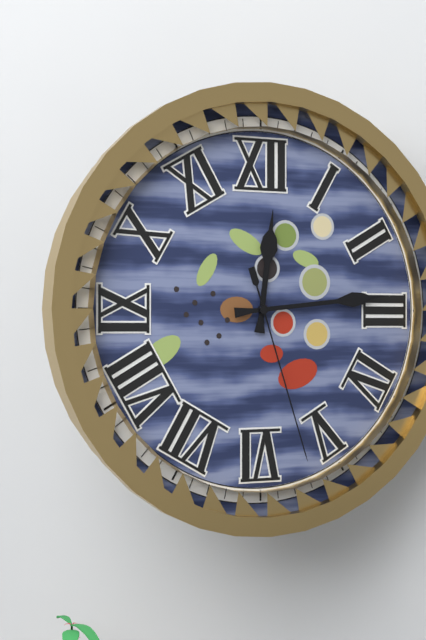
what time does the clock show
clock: 12:14:27
